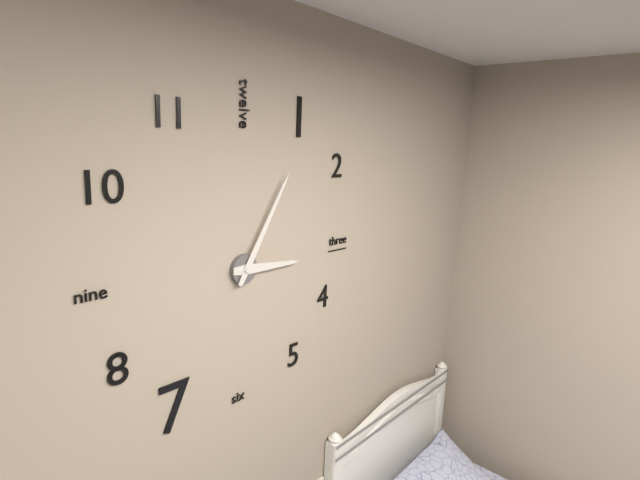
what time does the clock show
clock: 3:05
